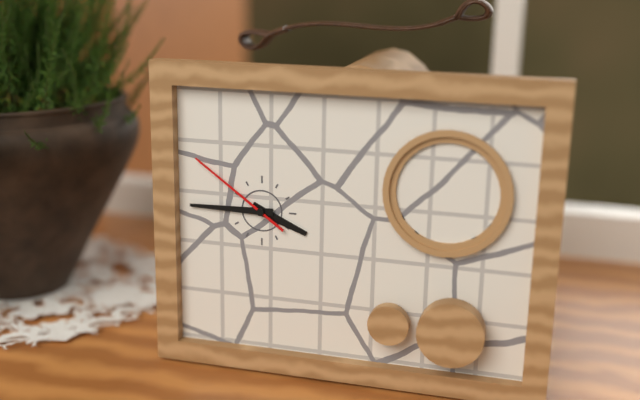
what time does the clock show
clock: 3:45:51
